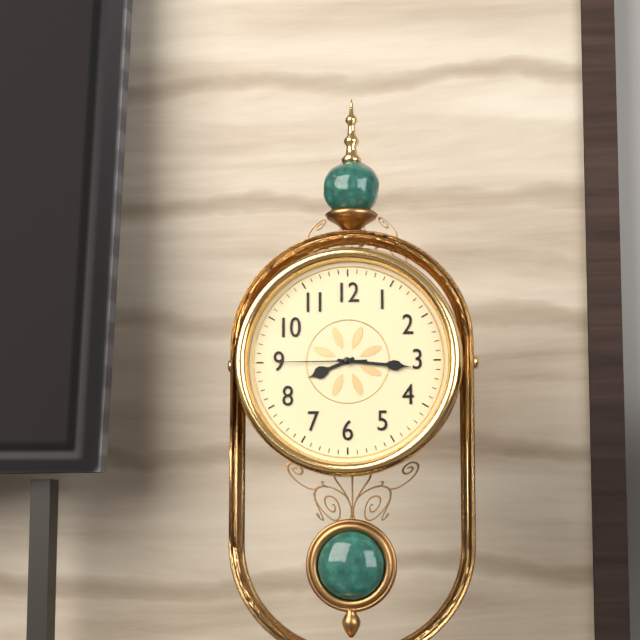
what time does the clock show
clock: 8:16:45
